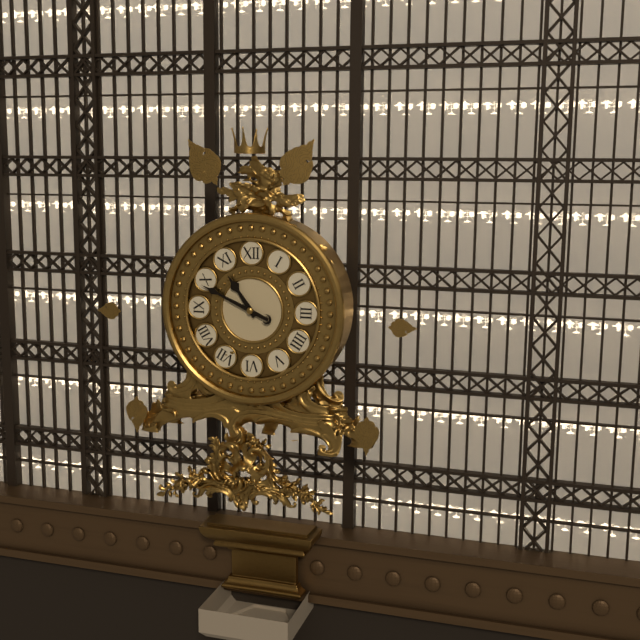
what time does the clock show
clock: 10:49
